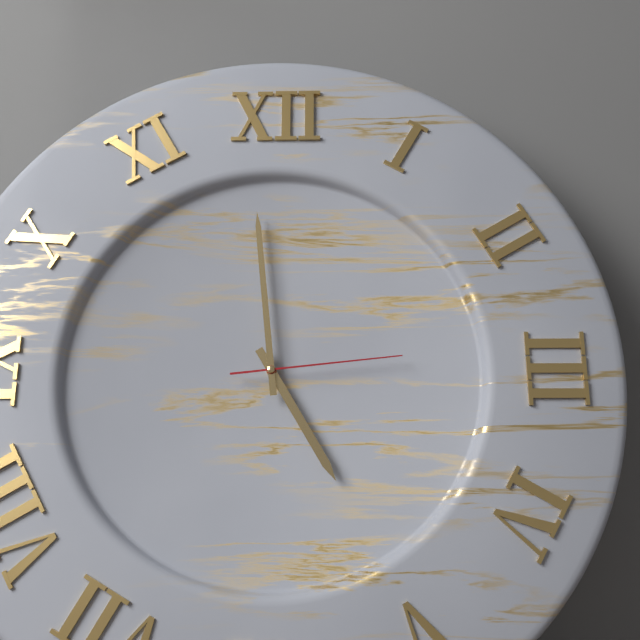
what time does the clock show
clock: 4:59:14
